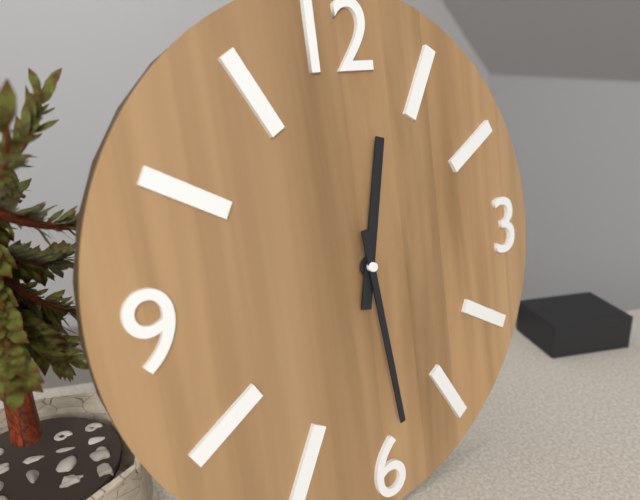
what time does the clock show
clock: 12:29
